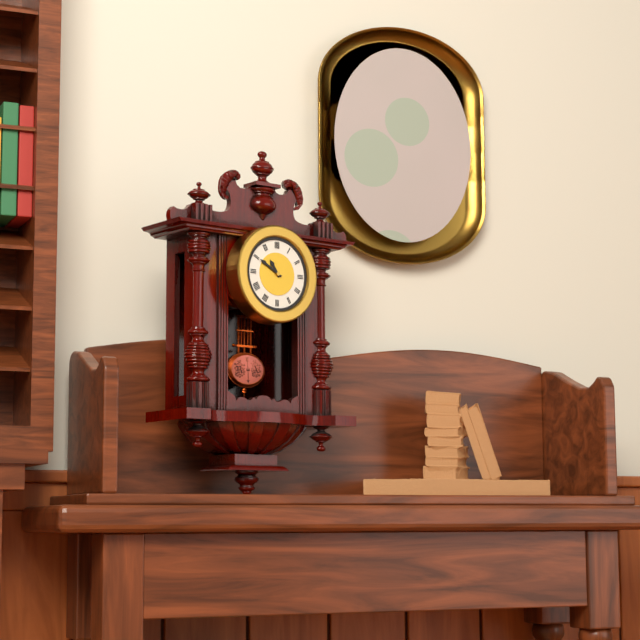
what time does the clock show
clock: 10:50
